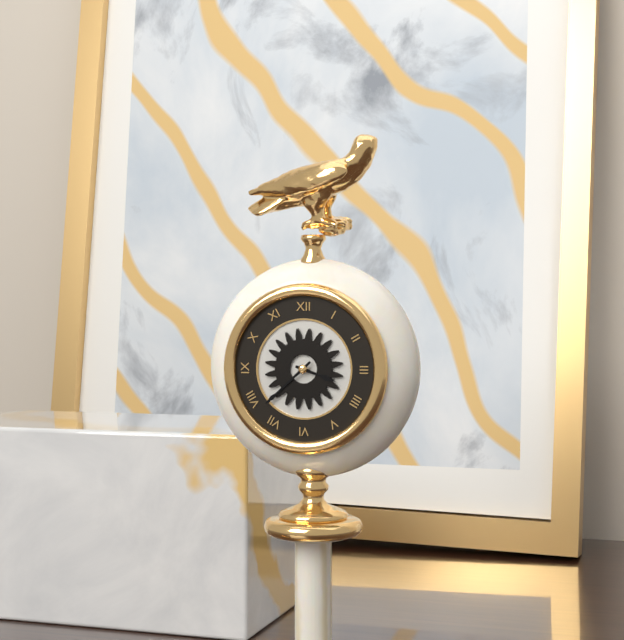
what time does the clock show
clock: 3:38
